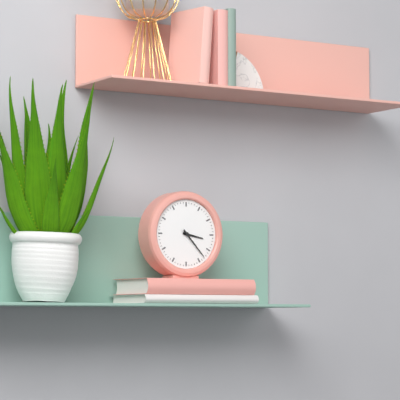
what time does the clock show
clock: 3:23
